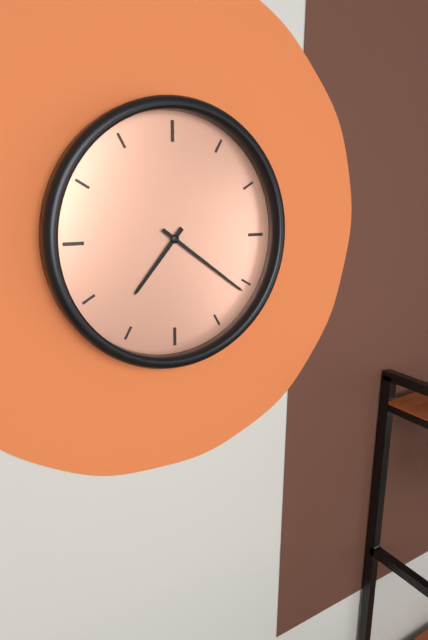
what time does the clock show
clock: 7:21
